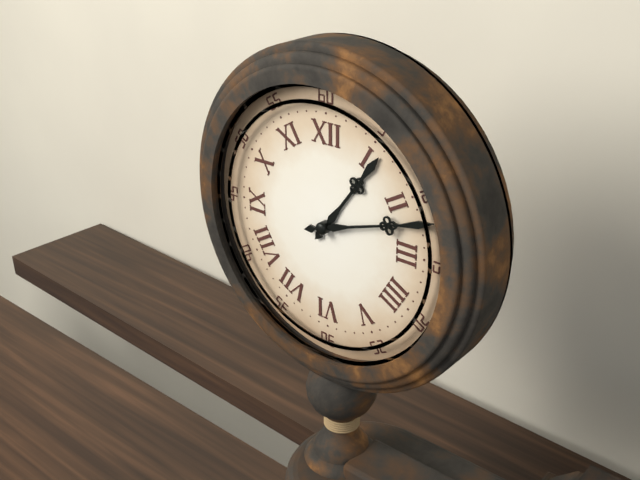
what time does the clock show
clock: 1:12
